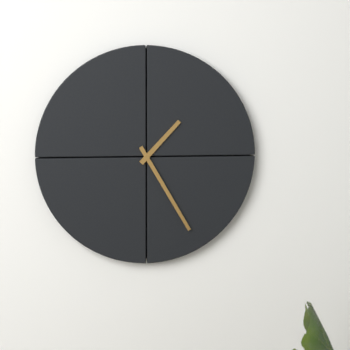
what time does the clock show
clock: 1:25
